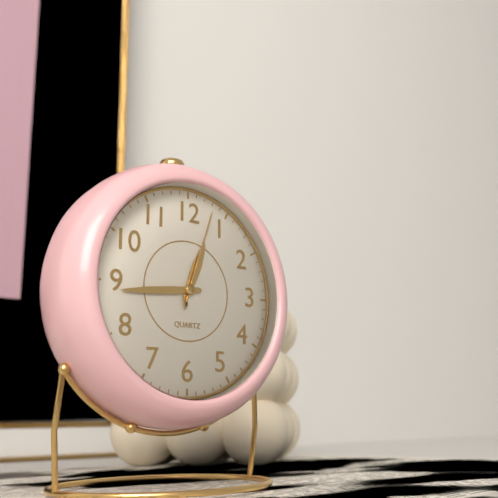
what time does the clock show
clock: 12:44:03
